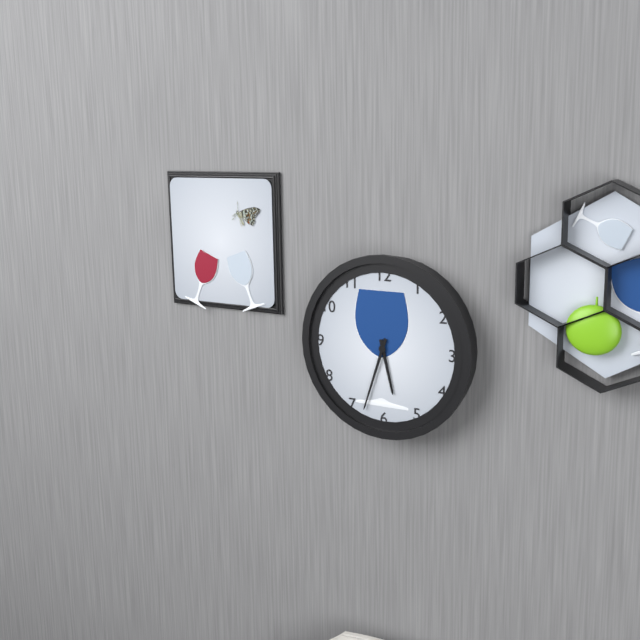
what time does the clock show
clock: 5:33
